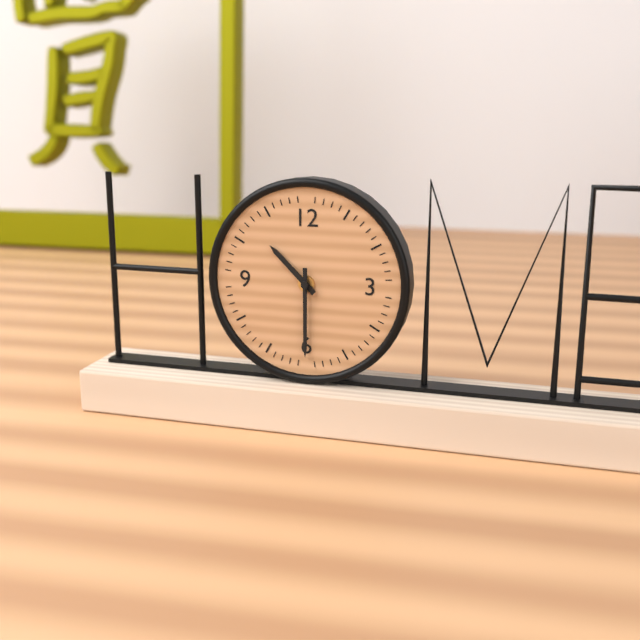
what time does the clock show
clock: 10:30
